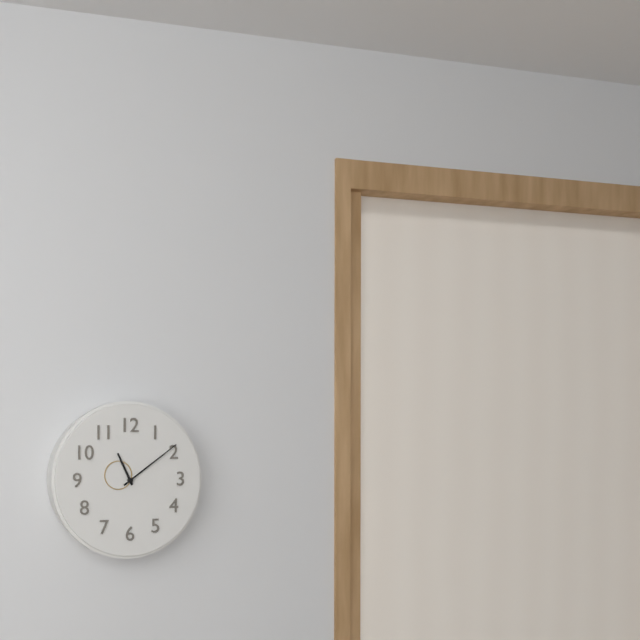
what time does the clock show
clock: 11:09
